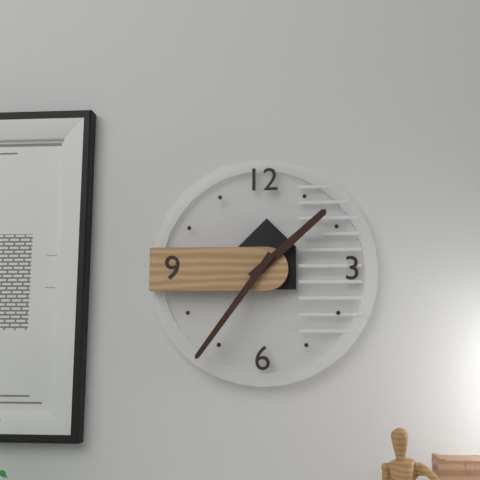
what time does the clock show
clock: 1:36
